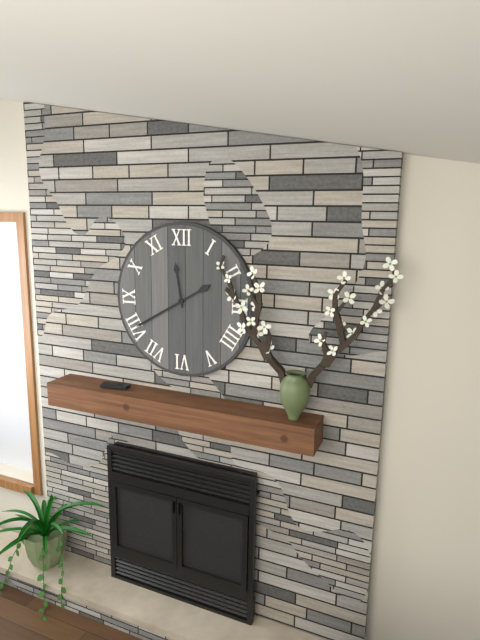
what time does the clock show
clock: 11:40
